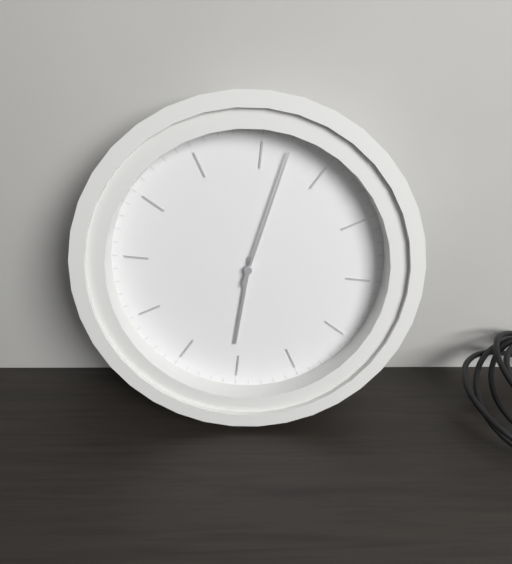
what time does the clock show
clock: 7:07
